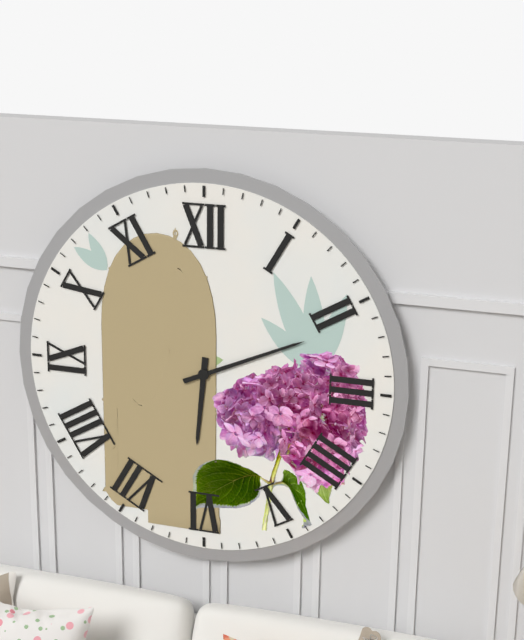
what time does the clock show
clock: 6:11
